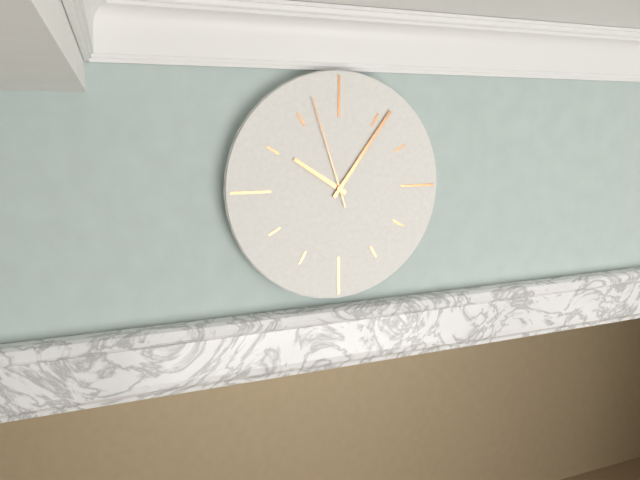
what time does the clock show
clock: 10:06:57
